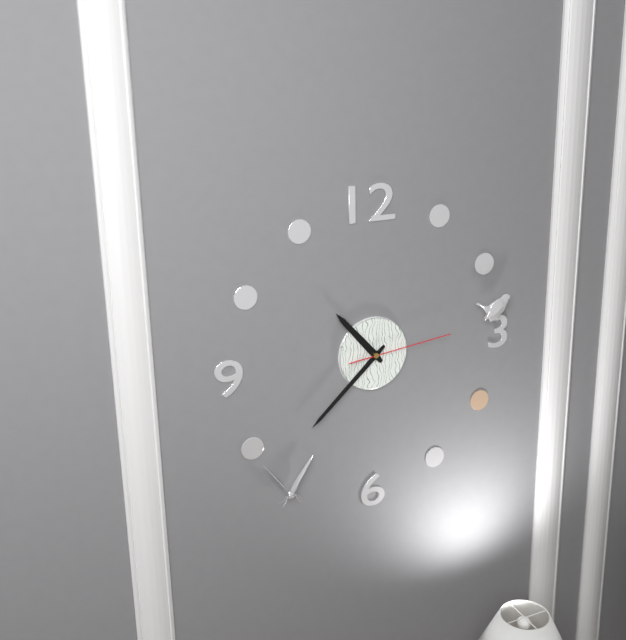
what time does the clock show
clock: 10:38:14
